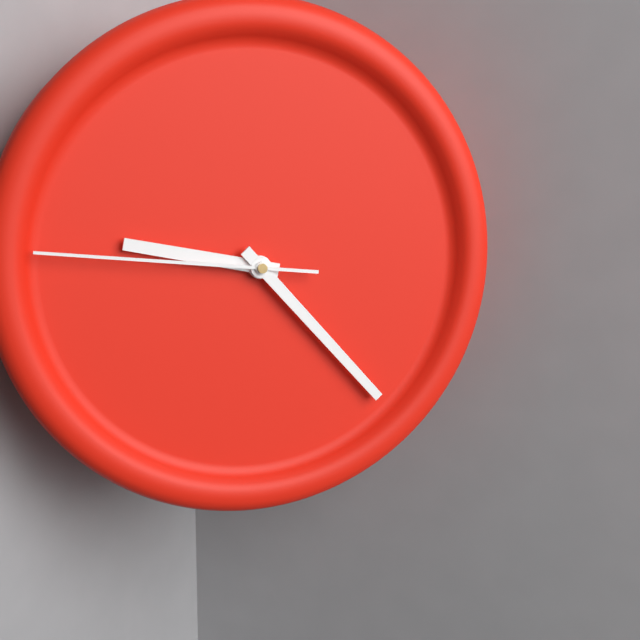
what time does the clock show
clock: 9:23:46
